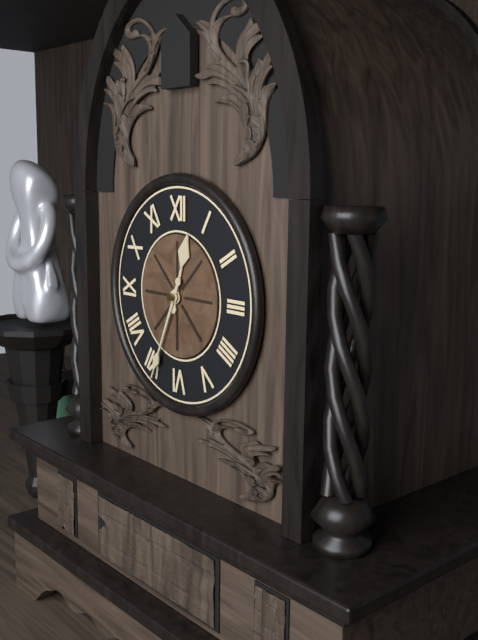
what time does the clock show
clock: 12:34
